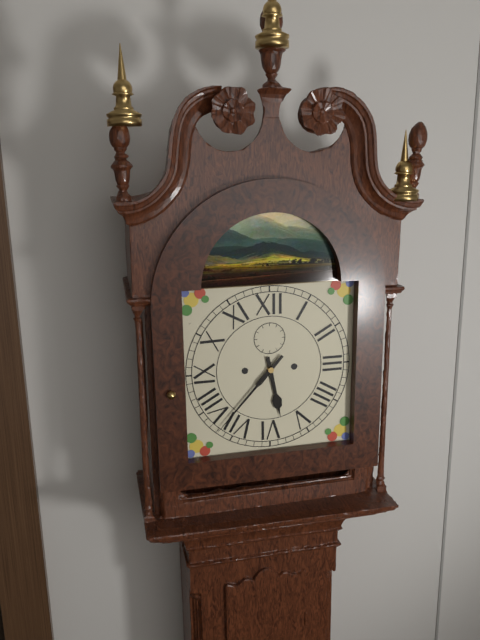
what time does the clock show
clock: 5:37
